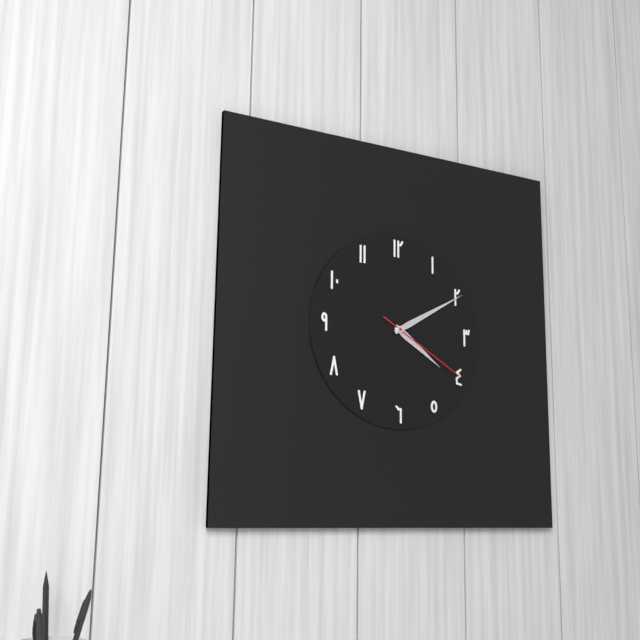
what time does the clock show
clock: 4:10:20
